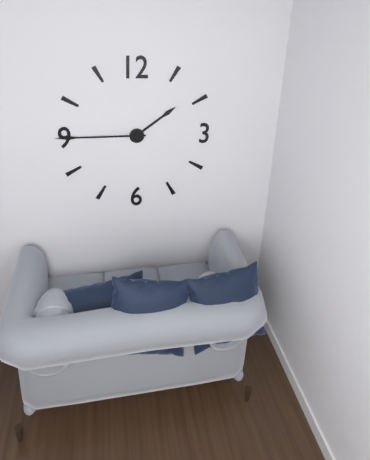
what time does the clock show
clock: 1:45
